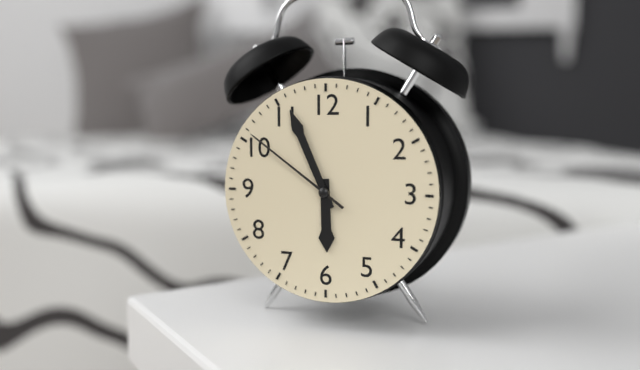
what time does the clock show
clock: 5:56:51
